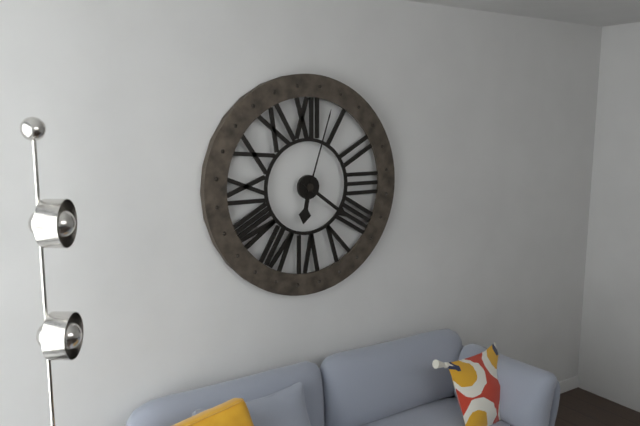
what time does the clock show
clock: 6:21:03
